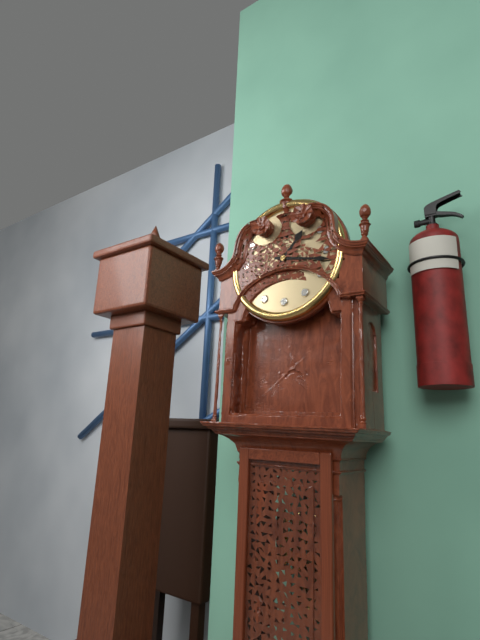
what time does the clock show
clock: 1:17
